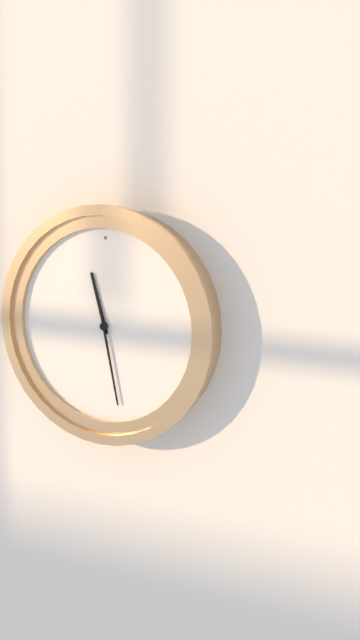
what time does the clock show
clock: 11:28
